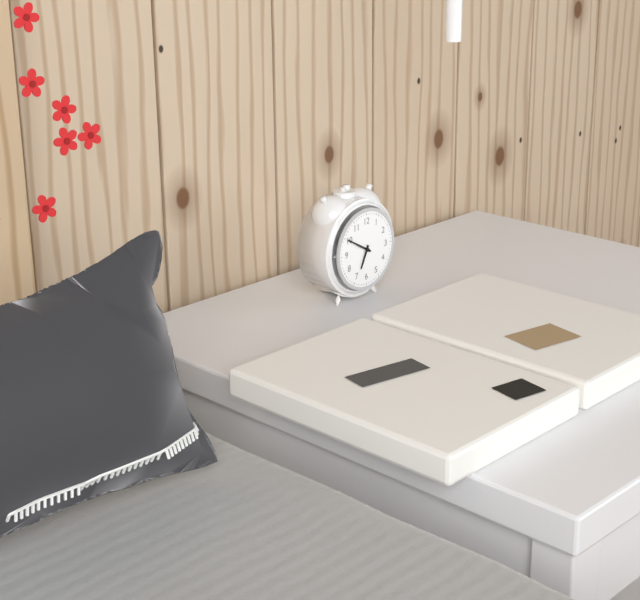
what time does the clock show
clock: 6:50
